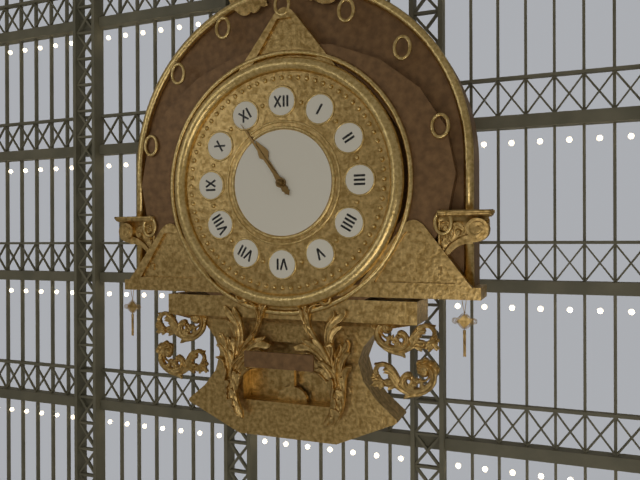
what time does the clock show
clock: 10:54
